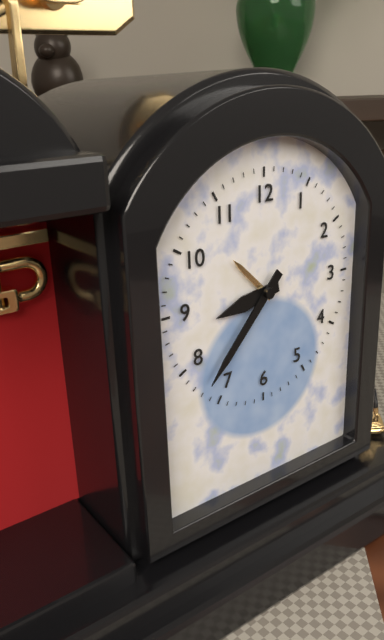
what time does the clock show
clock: 8:37
